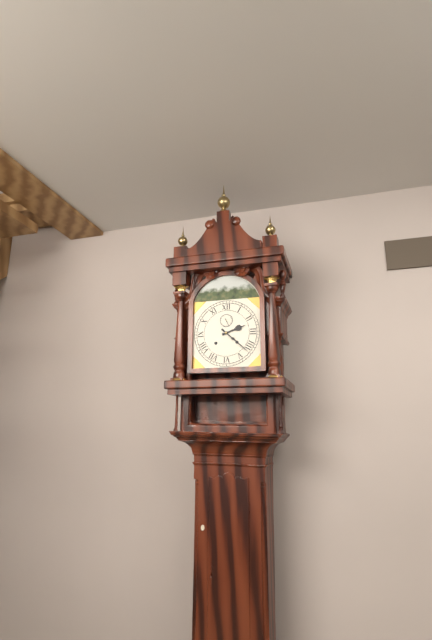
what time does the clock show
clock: 2:22
